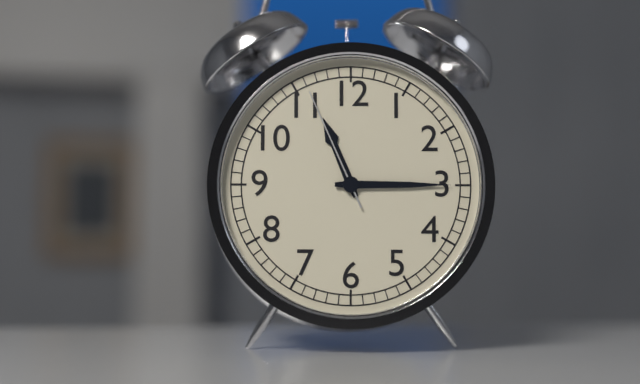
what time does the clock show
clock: 11:15:56
